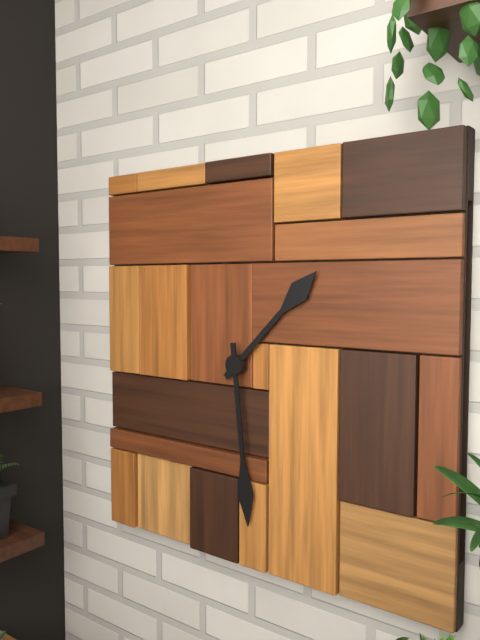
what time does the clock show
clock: 1:29
